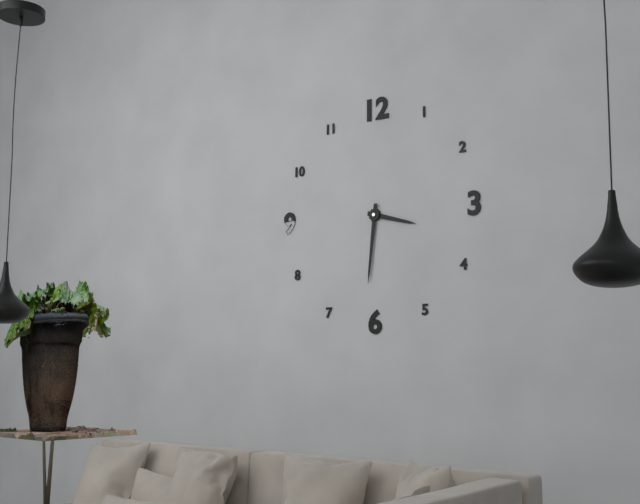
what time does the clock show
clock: 3:31
